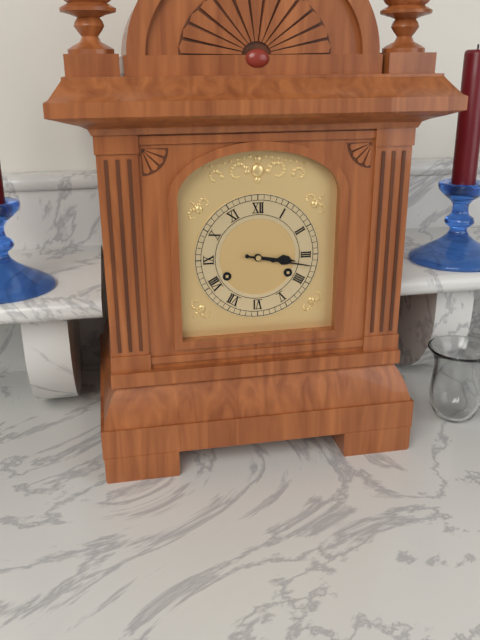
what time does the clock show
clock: 3:17
